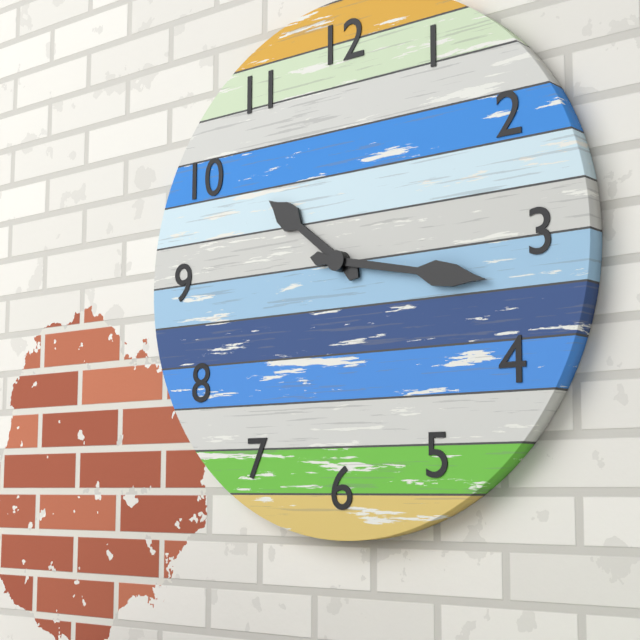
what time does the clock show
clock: 10:17
